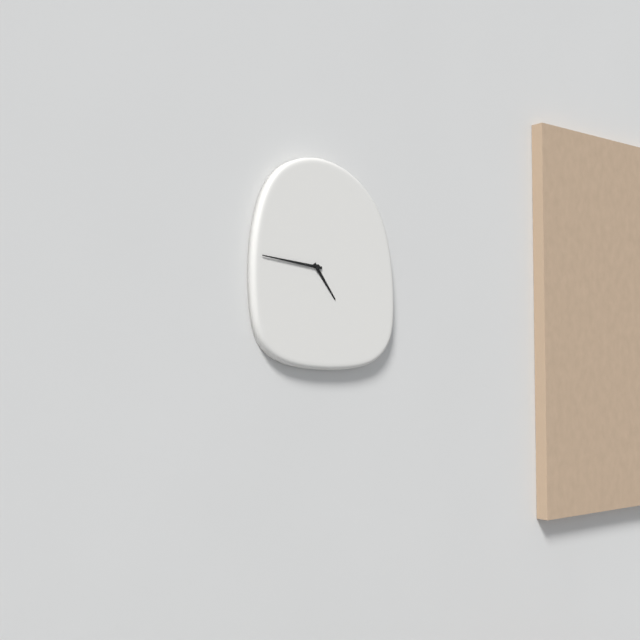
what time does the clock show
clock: 4:46
